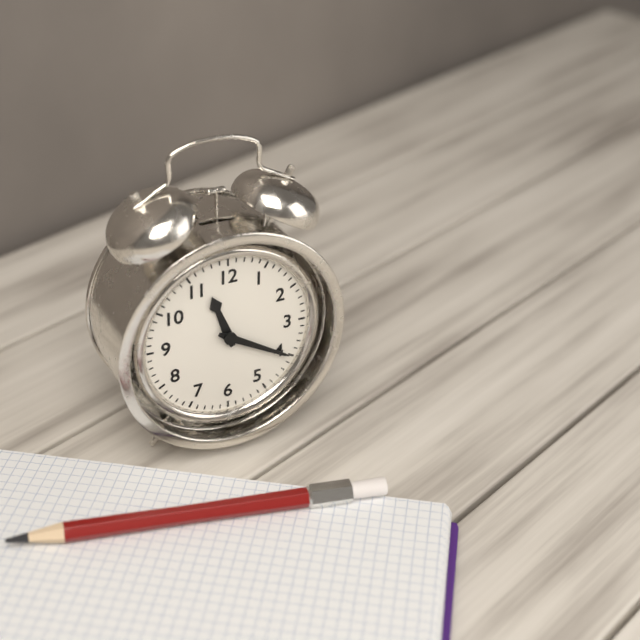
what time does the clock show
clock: 11:20
